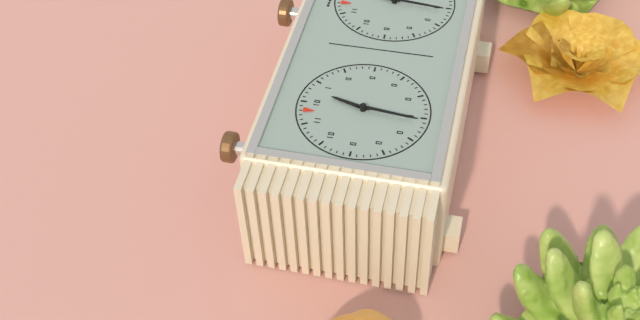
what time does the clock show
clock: 12:31
